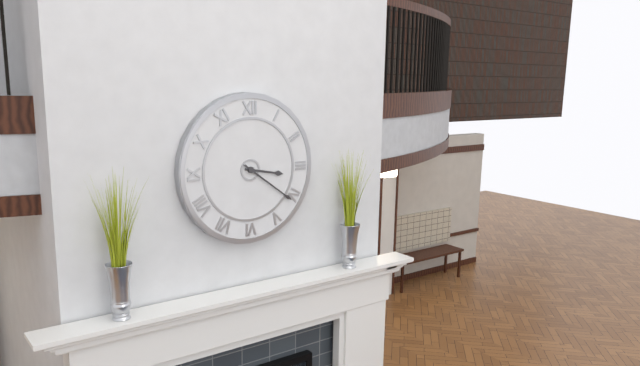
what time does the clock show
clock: 3:21
